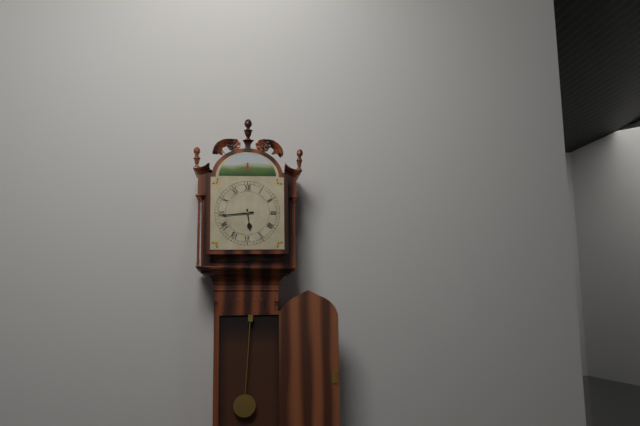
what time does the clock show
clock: 5:44
